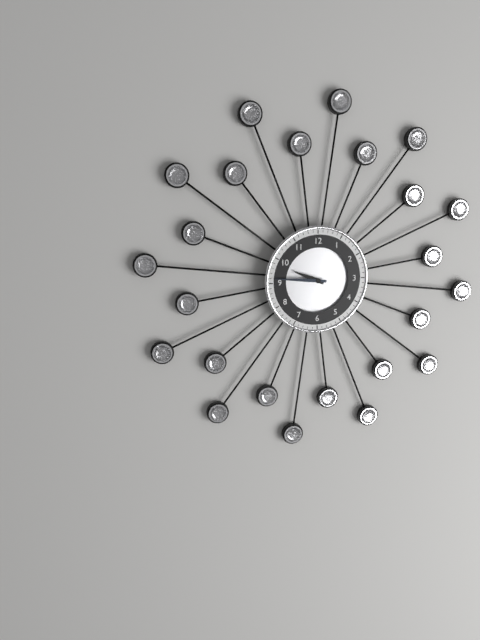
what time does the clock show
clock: 9:46
